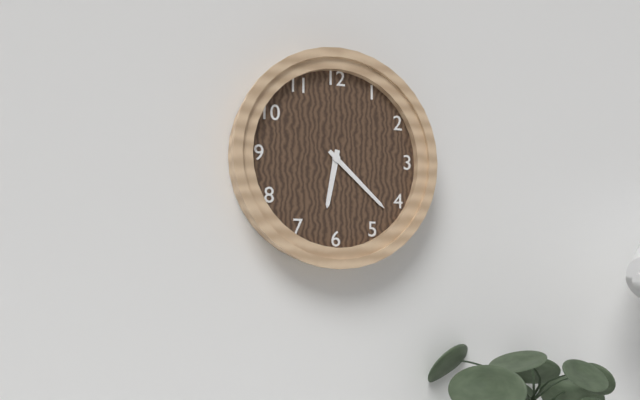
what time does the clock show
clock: 6:22
